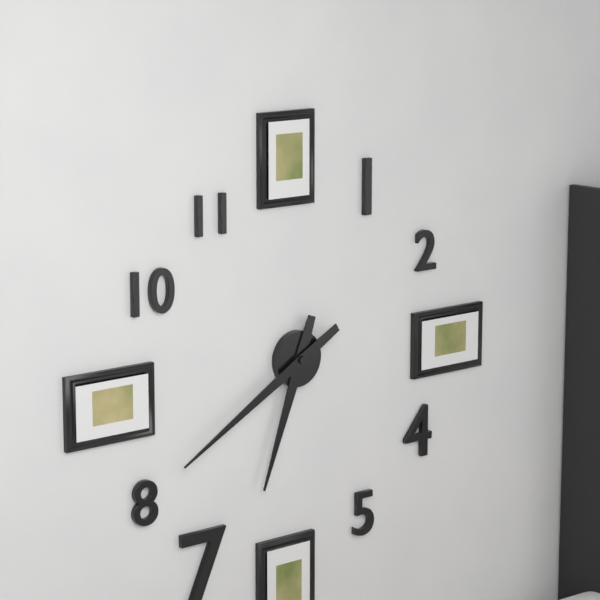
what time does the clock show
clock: 6:40
